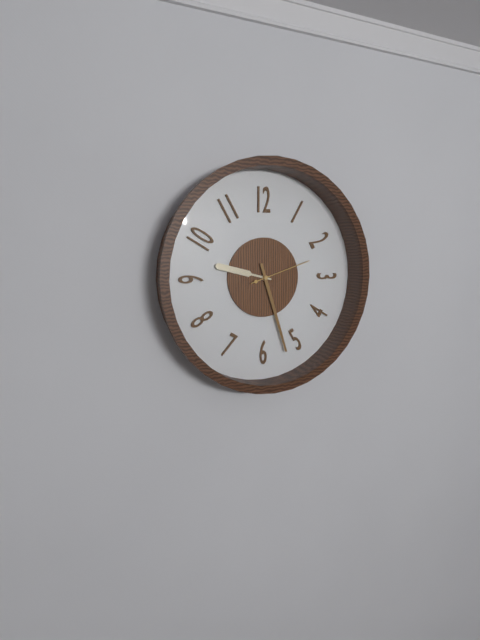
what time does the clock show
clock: 9:27:12
